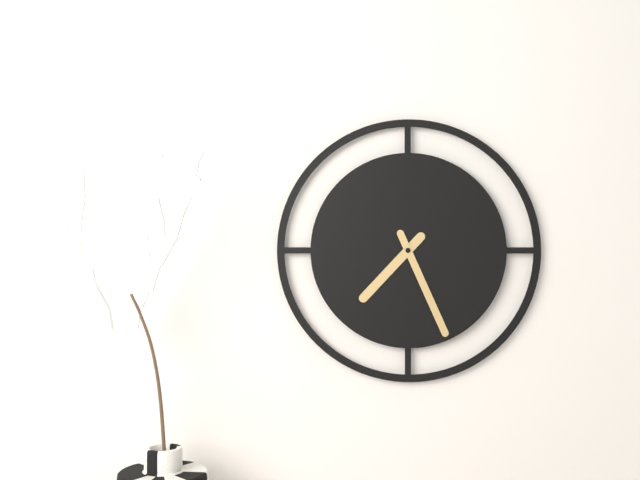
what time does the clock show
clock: 7:26
